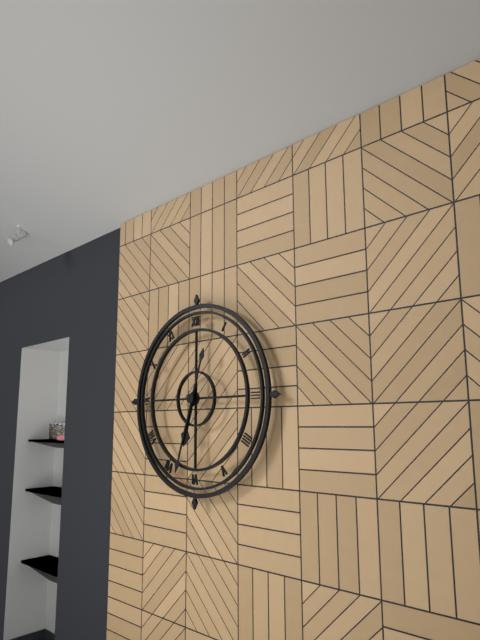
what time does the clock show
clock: 6:33
